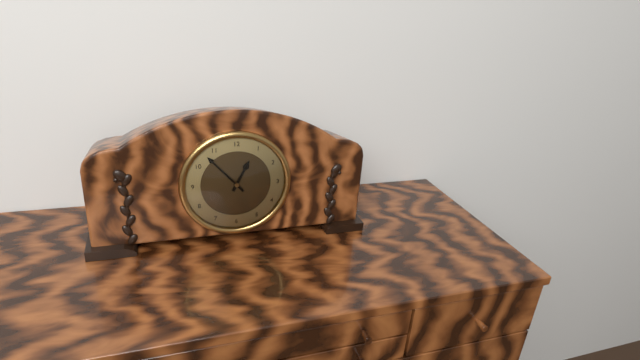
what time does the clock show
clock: 12:53
